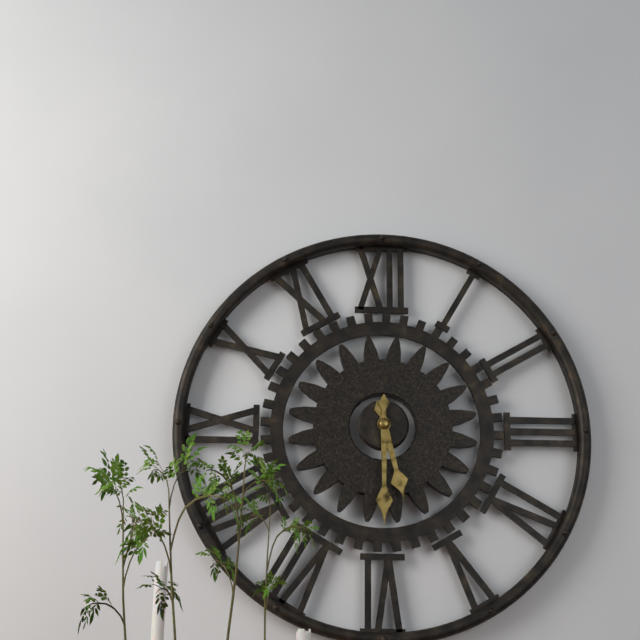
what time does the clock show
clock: 5:30
